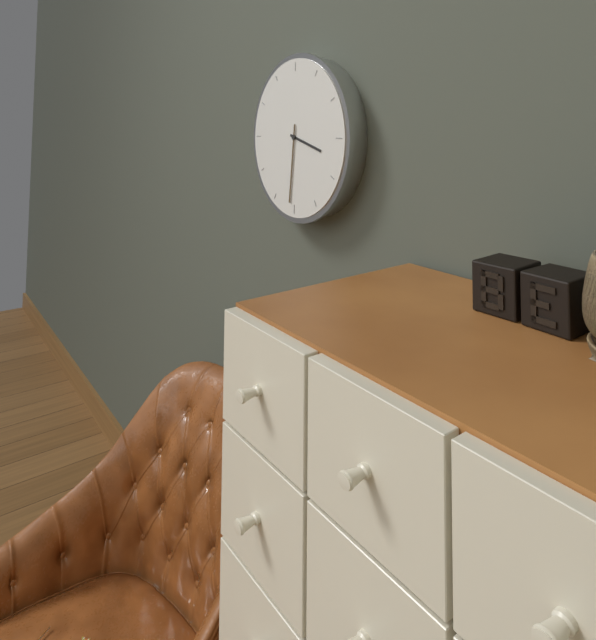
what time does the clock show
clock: 3:31
